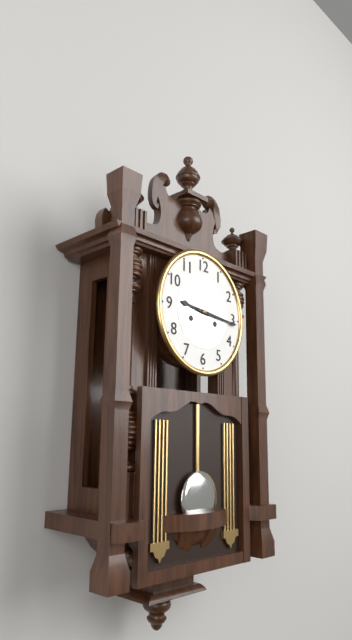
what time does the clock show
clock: 9:16
